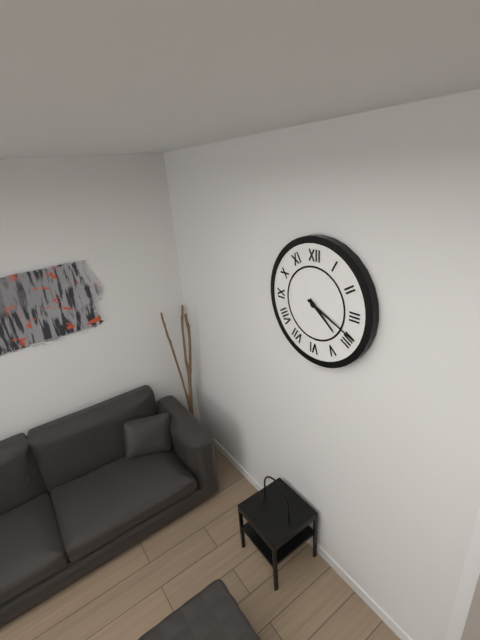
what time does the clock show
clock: 4:19
